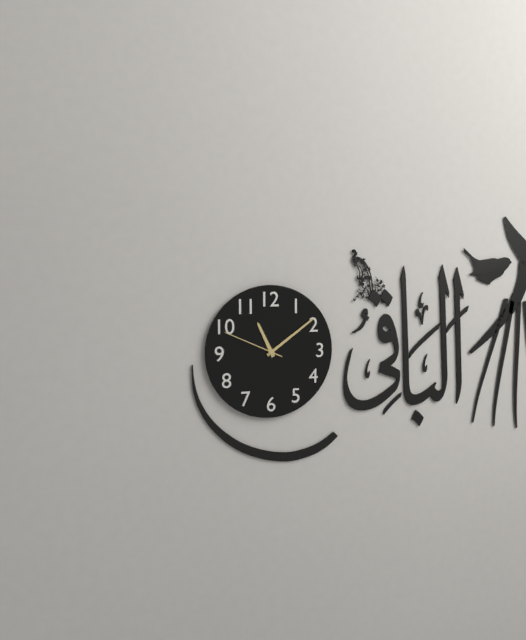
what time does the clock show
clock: 11:09:49
